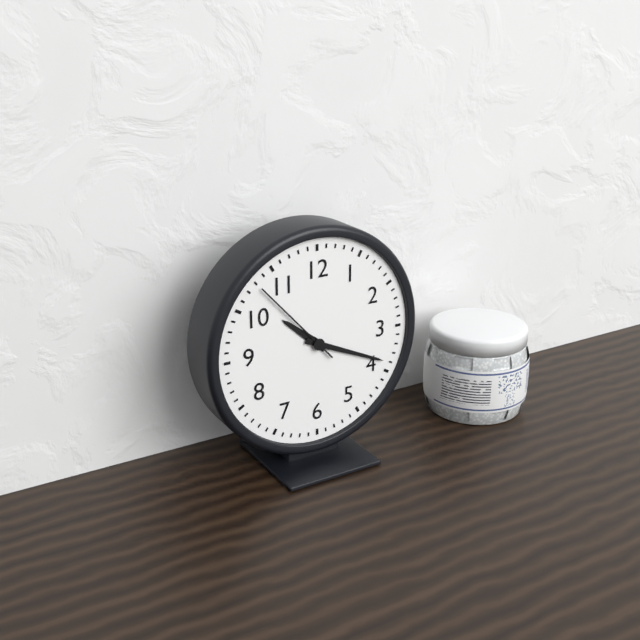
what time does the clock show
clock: 10:19:53
